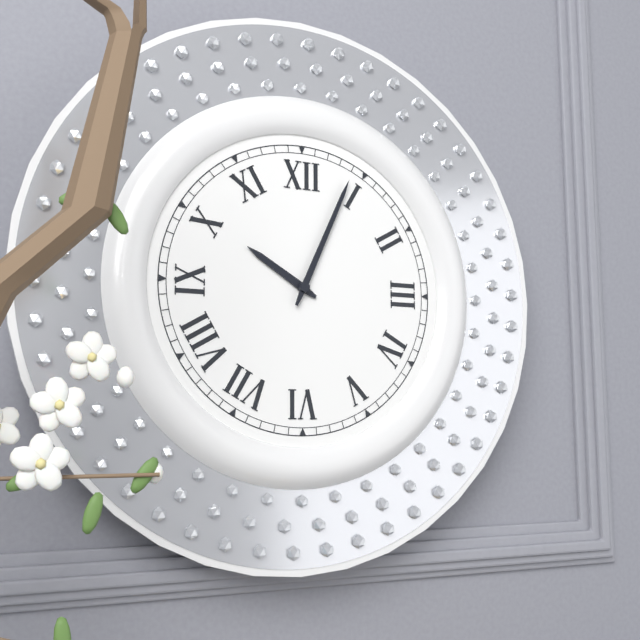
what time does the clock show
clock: 10:04
